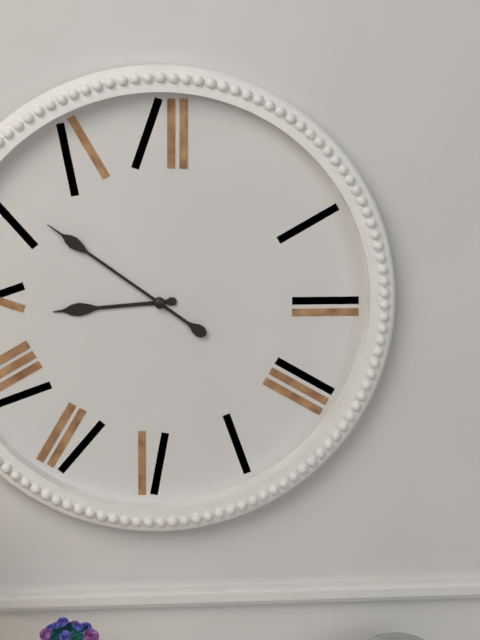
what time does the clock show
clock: 8:51
